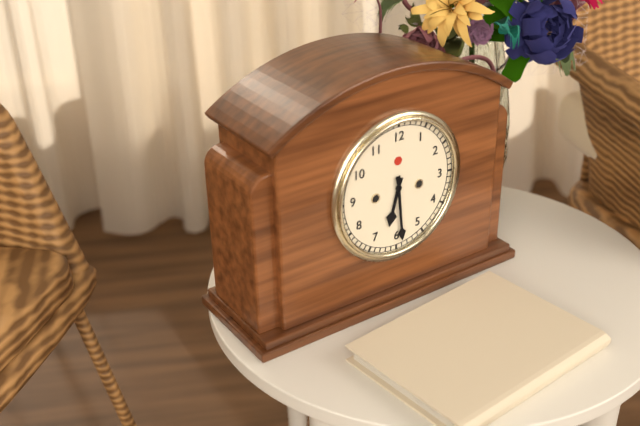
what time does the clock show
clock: 6:29
